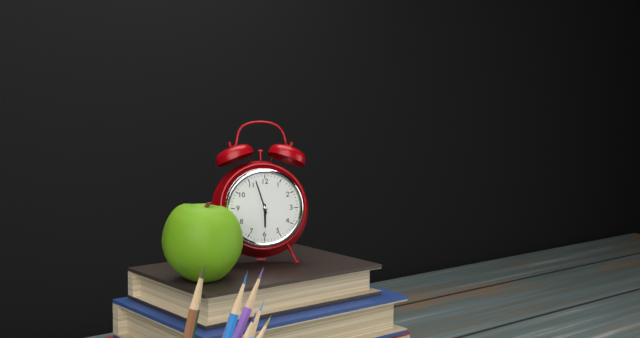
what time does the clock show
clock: 5:57
